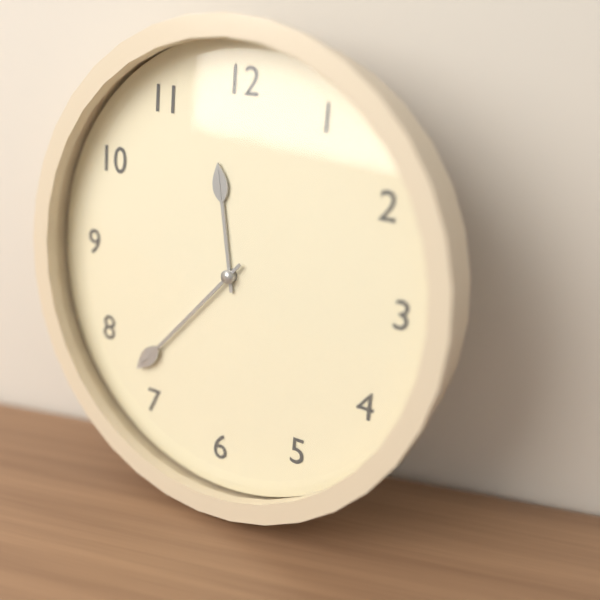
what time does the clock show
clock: 11:37
